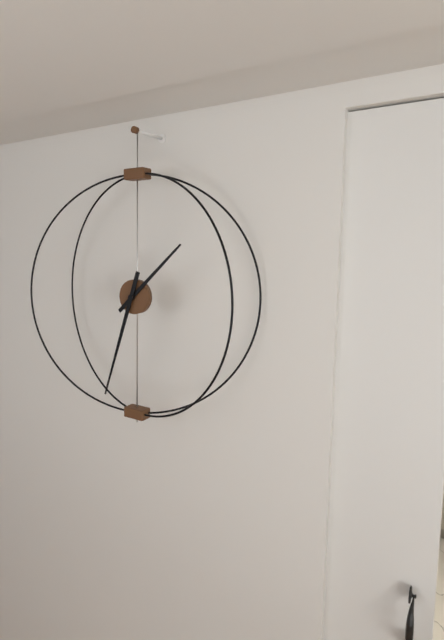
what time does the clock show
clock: 1:33
